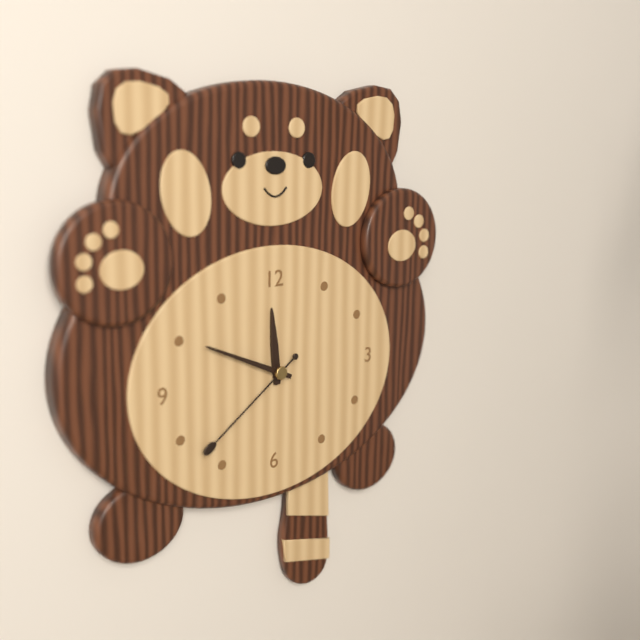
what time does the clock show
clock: 11:49:39
